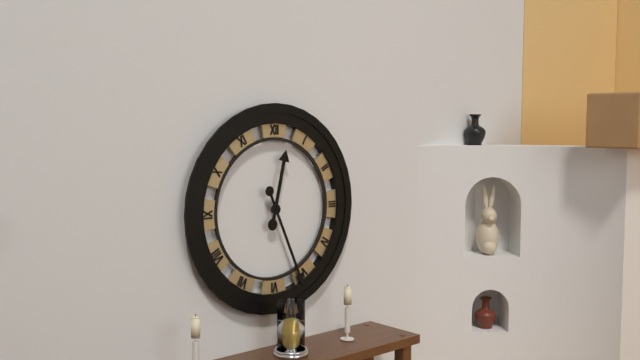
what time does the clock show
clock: 12:26
